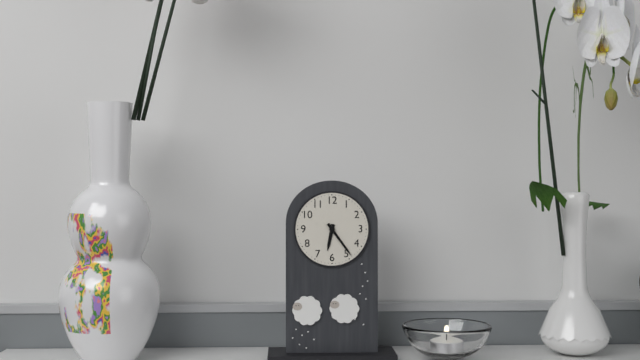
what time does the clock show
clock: 6:24
